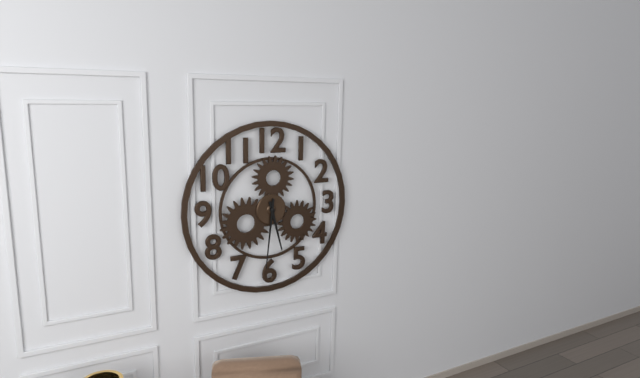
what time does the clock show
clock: 5:31
